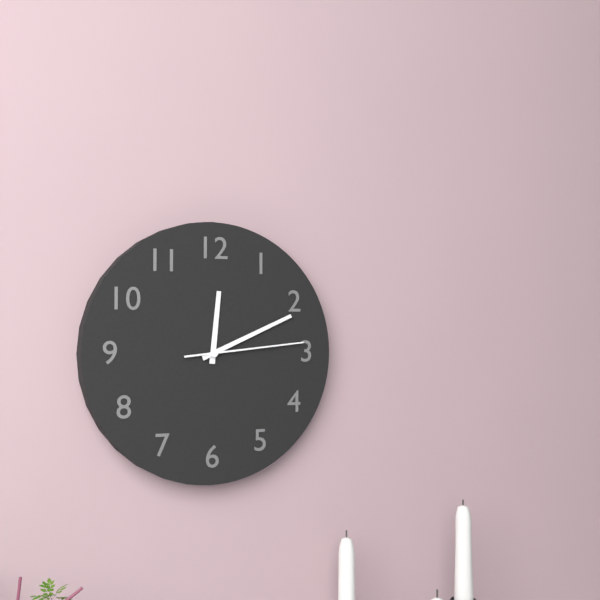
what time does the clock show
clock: 12:11:14
